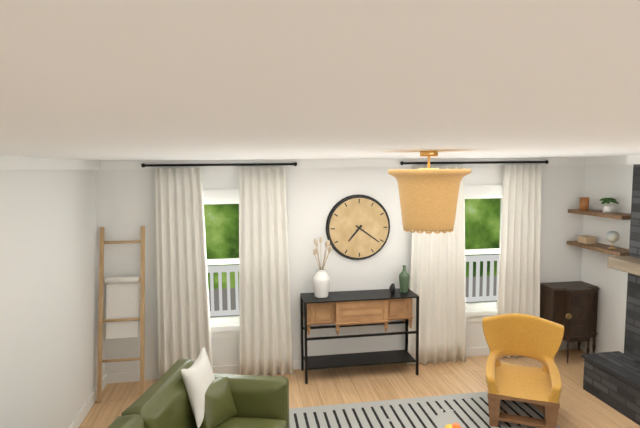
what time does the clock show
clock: 7:21
